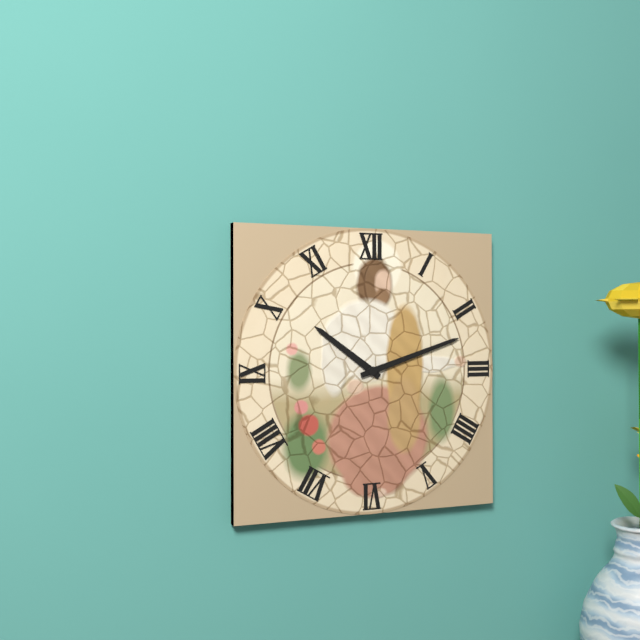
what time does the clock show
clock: 10:12
